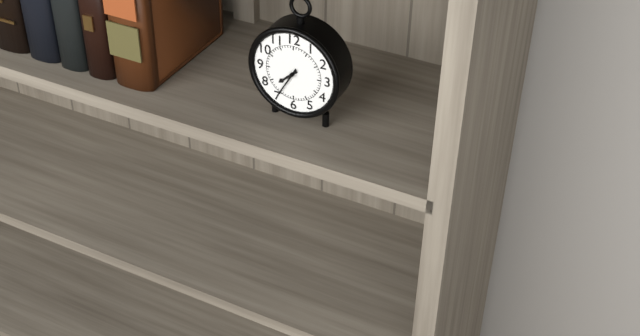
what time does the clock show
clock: 7:35
